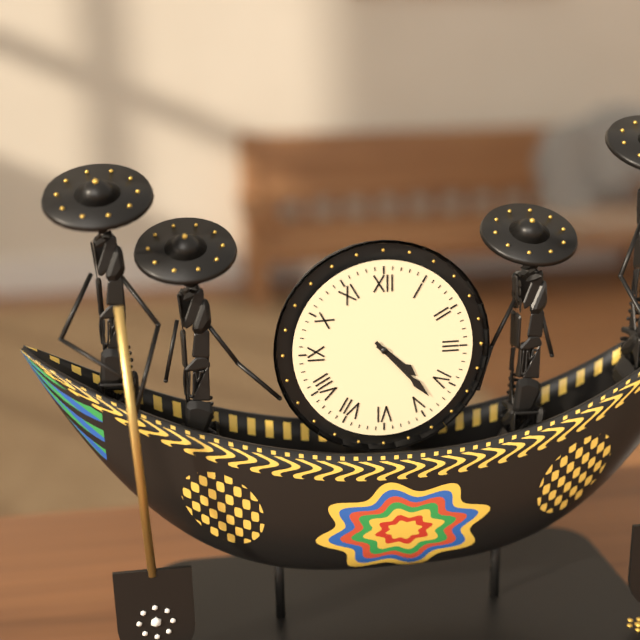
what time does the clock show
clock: 4:23
